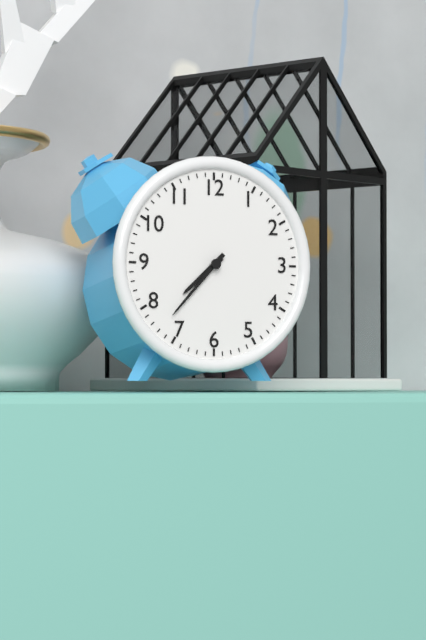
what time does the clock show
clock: 7:37
